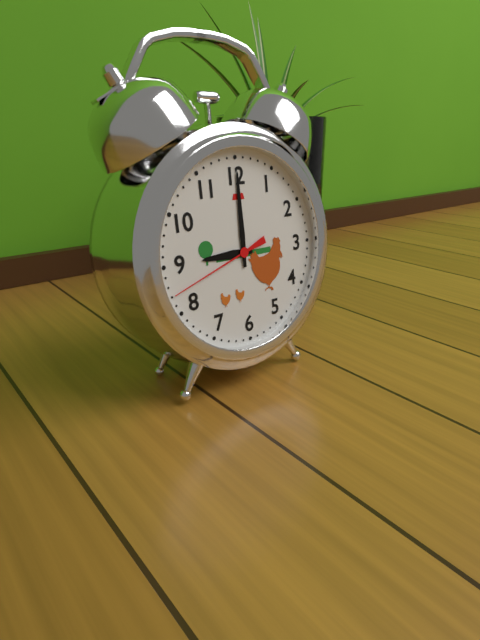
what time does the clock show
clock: 9:00:42
